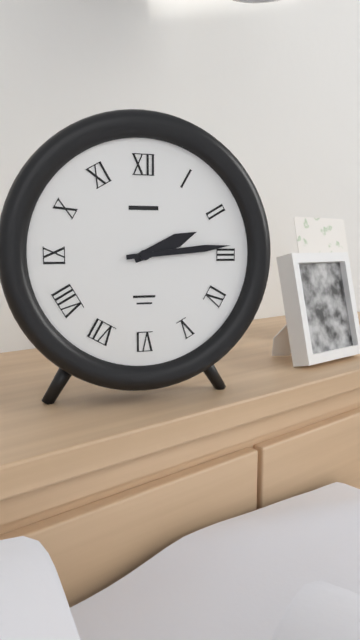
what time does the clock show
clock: 2:14
